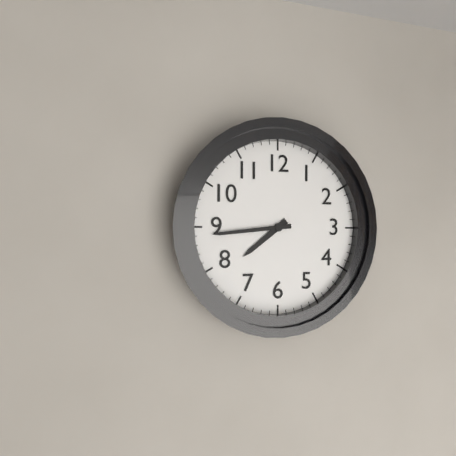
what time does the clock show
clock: 7:44
